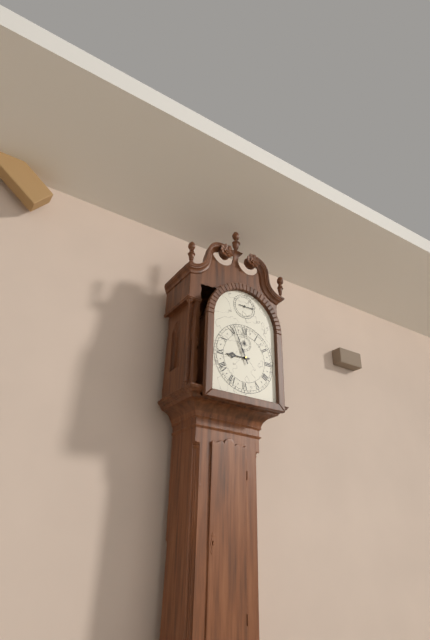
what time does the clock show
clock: 8:56
